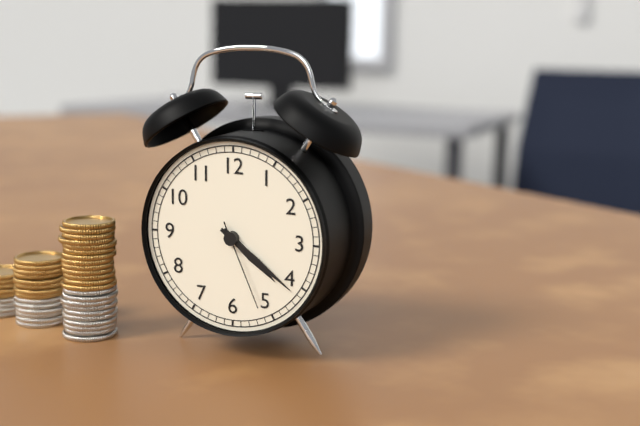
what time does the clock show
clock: 4:21:26
